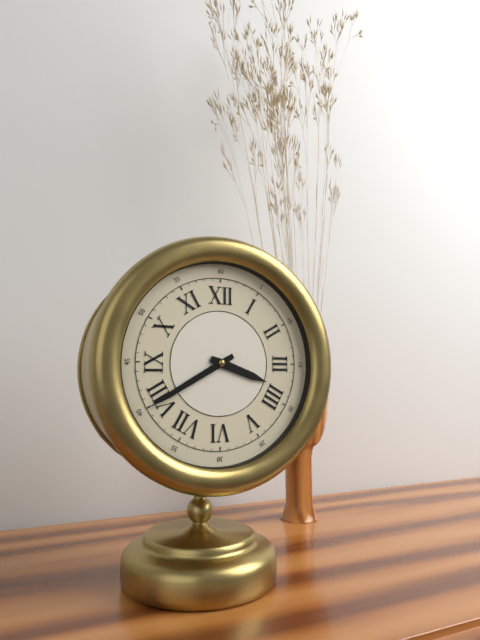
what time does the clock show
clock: 3:40
